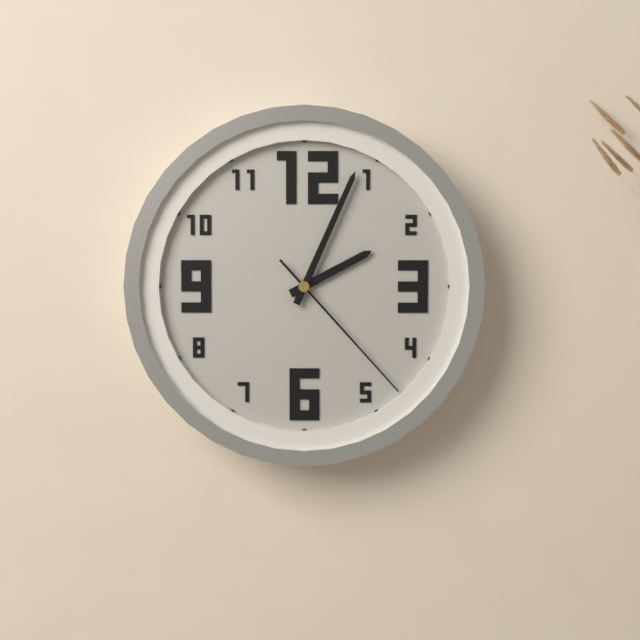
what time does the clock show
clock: 2:04:23
